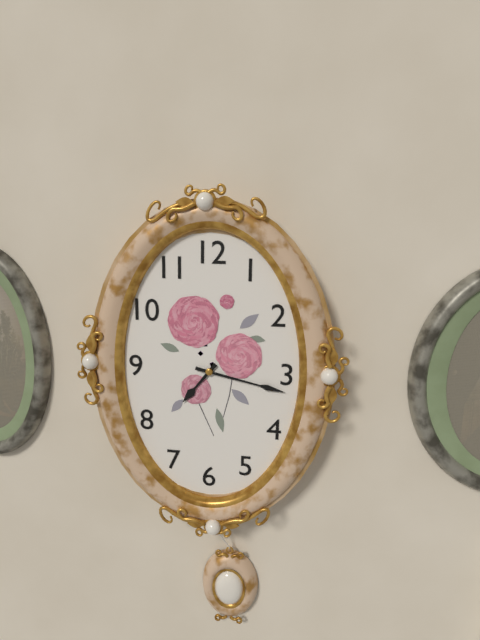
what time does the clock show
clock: 7:17
